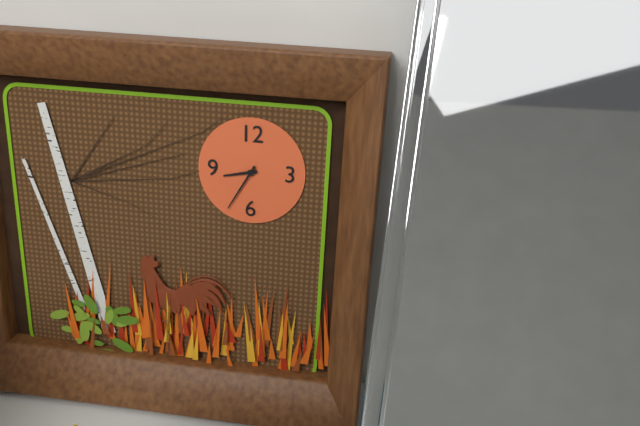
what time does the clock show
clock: 8:35
